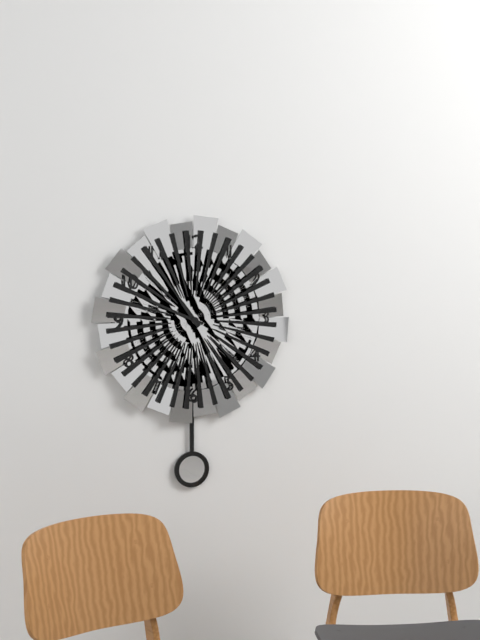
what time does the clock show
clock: 10:49
